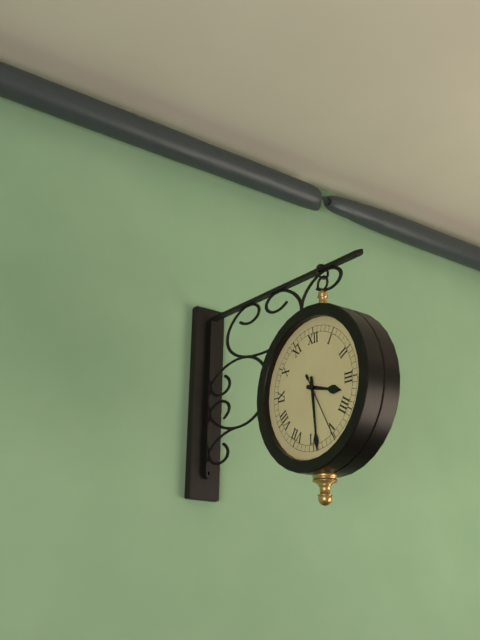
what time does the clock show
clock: 3:29:25
